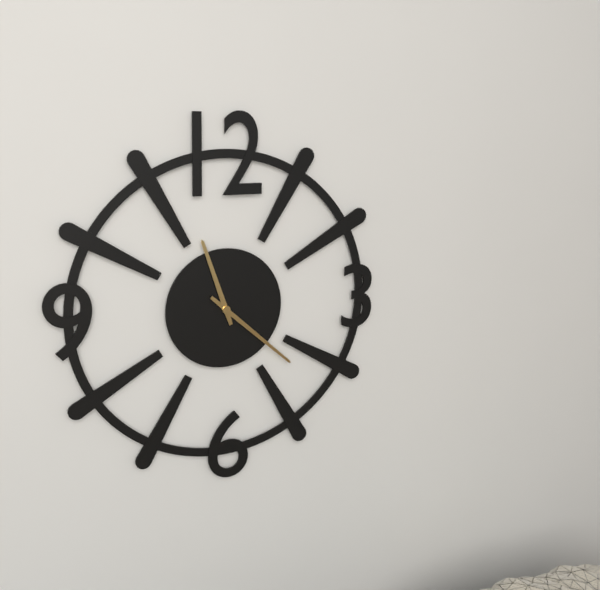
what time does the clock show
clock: 11:22
